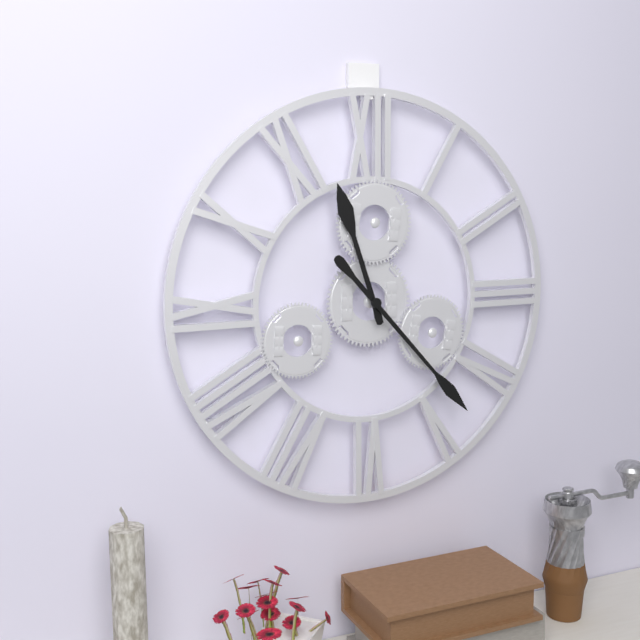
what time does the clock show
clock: 11:23
